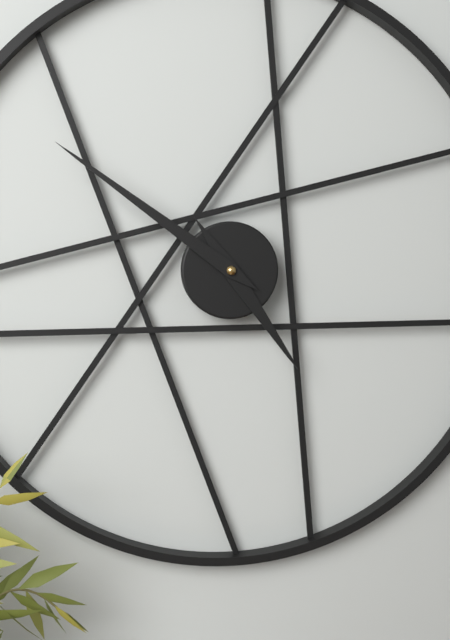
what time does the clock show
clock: 4:51
